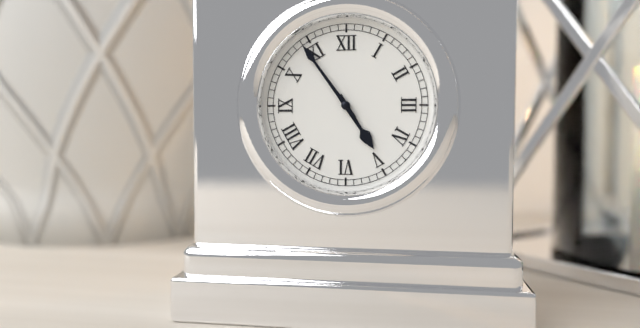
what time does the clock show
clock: 4:54
